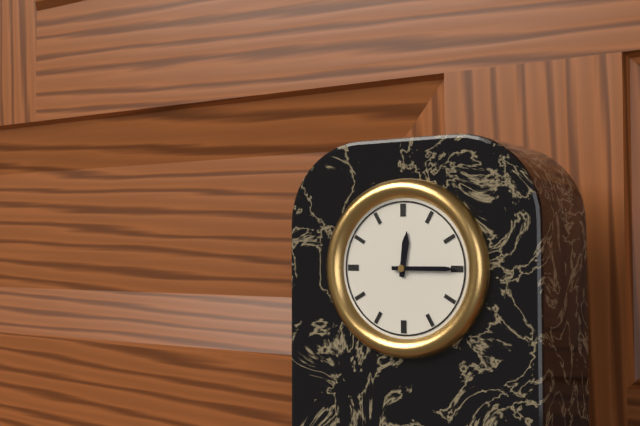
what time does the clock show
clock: 12:15
